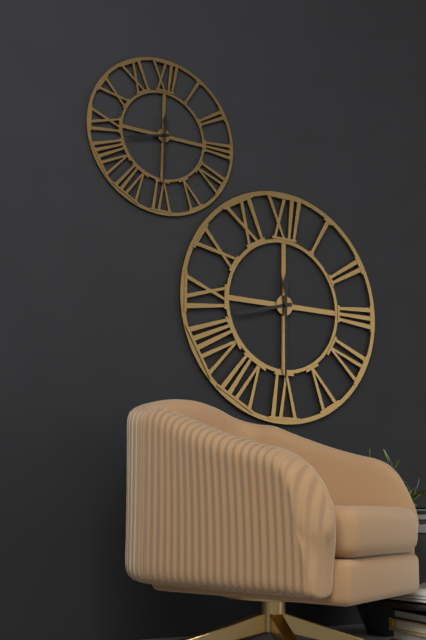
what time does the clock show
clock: 8:30
